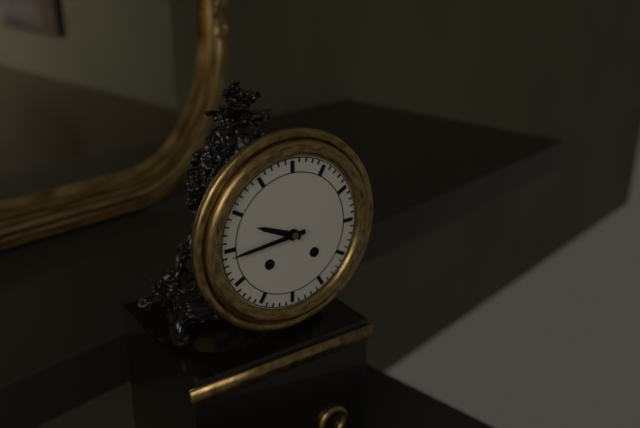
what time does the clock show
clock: 9:44
